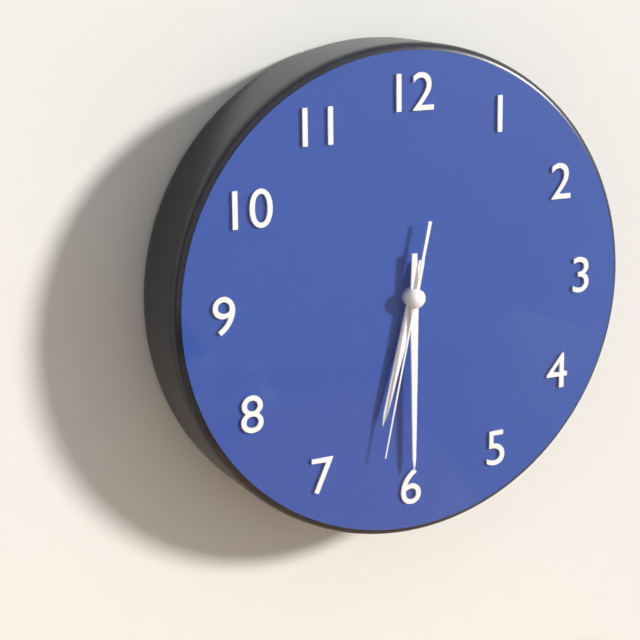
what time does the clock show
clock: 6:30:32
